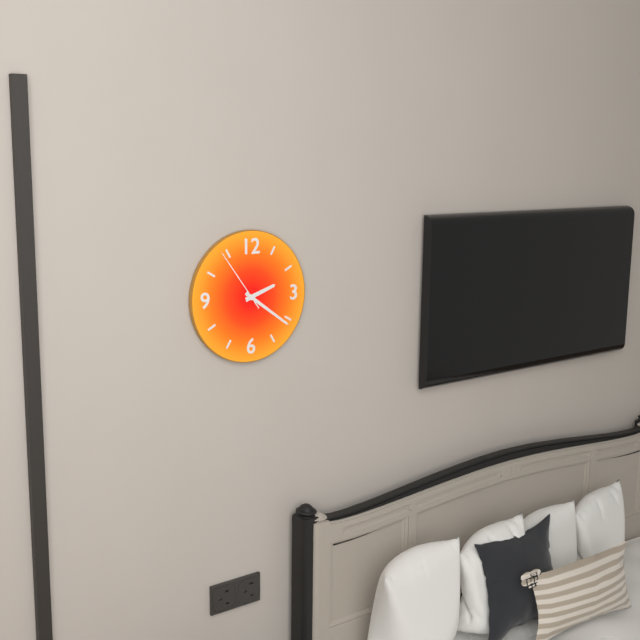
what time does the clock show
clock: 2:21:54
